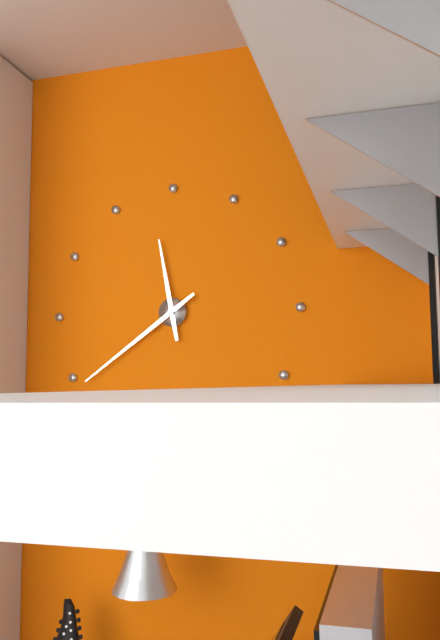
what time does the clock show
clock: 11:39
